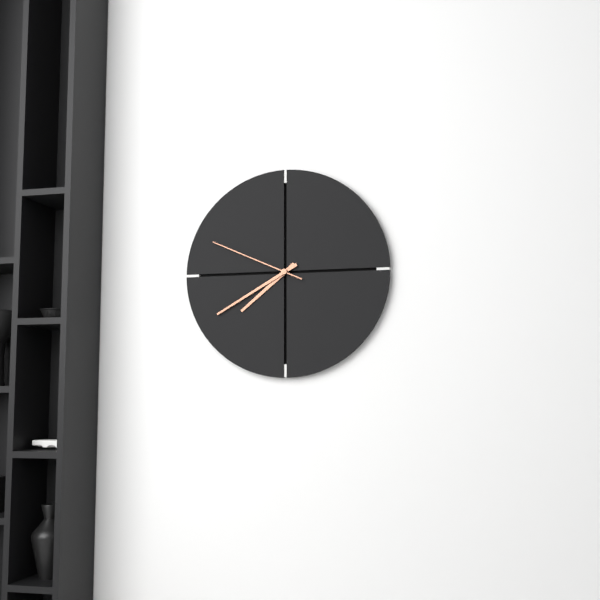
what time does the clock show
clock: 7:40:49
